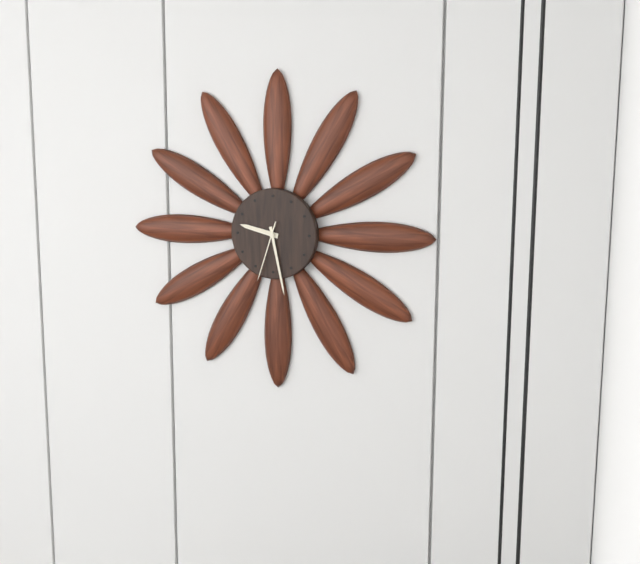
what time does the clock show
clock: 9:28:33
